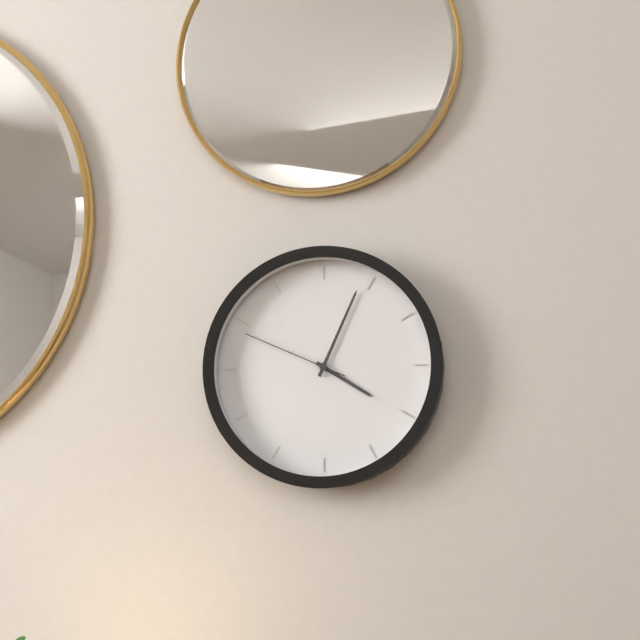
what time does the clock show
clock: 4:04:49
